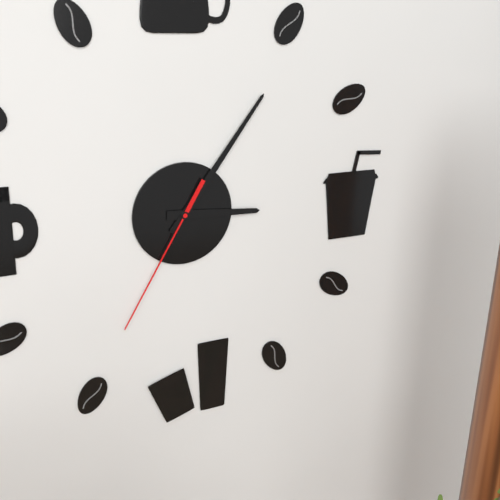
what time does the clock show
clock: 3:06:35
